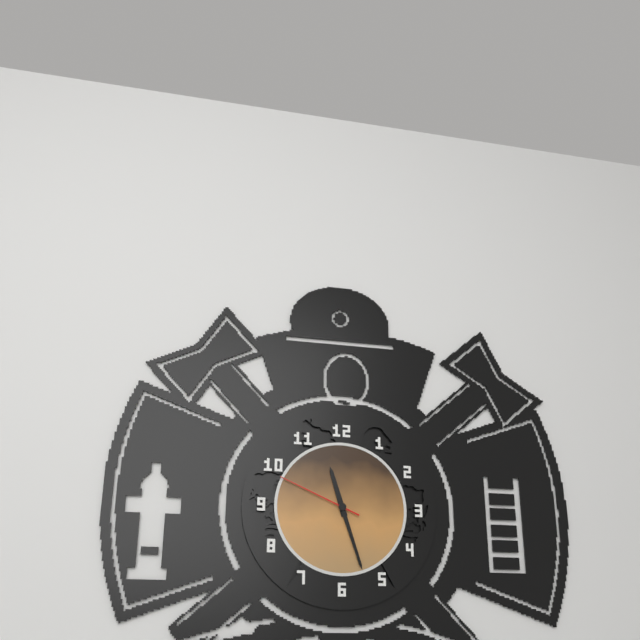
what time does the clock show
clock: 11:27:49
